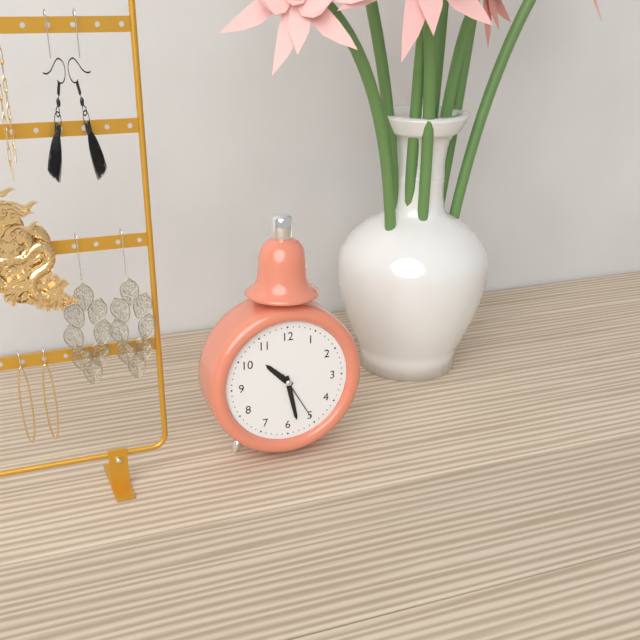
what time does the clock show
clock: 10:28:25
